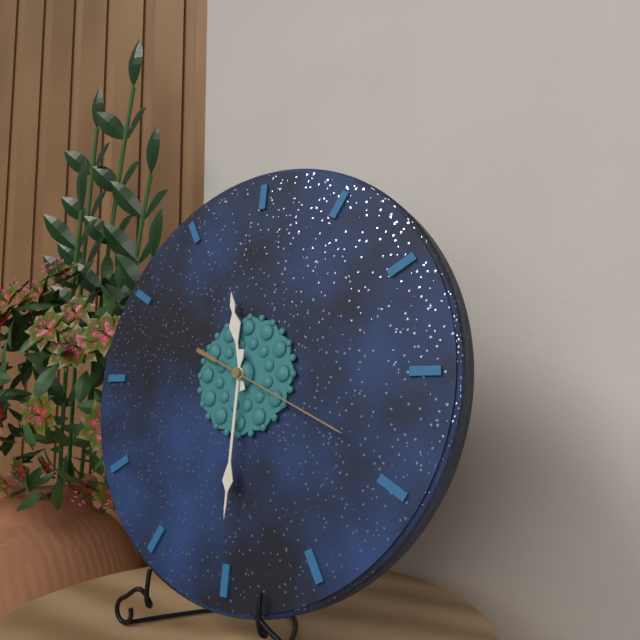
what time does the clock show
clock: 11:30:19
